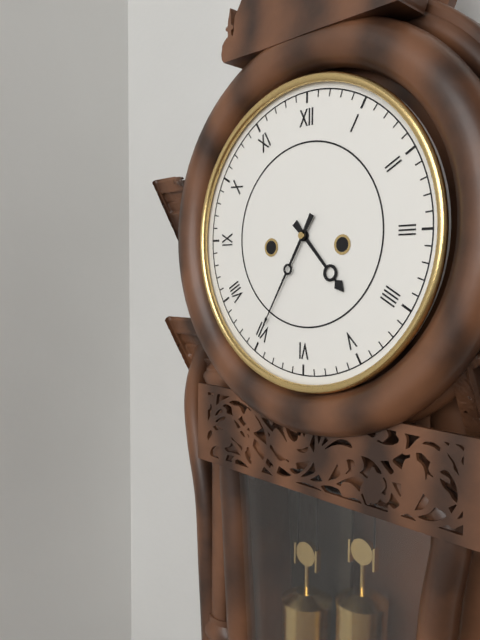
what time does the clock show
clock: 4:35
